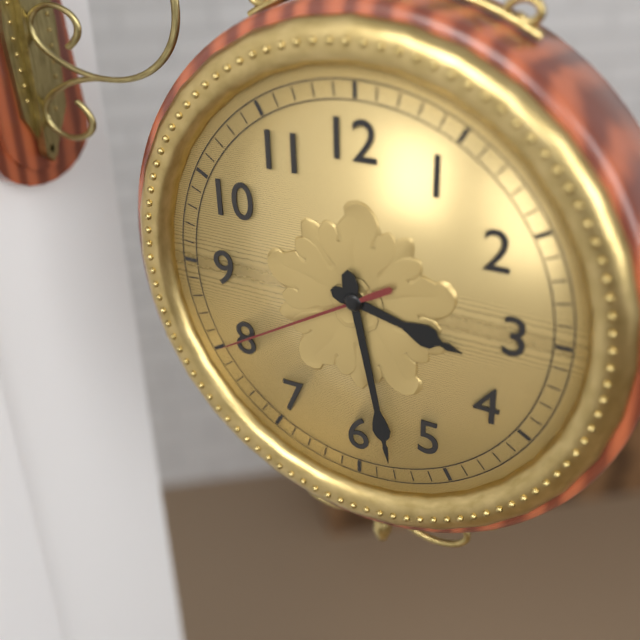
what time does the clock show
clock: 3:28:40
